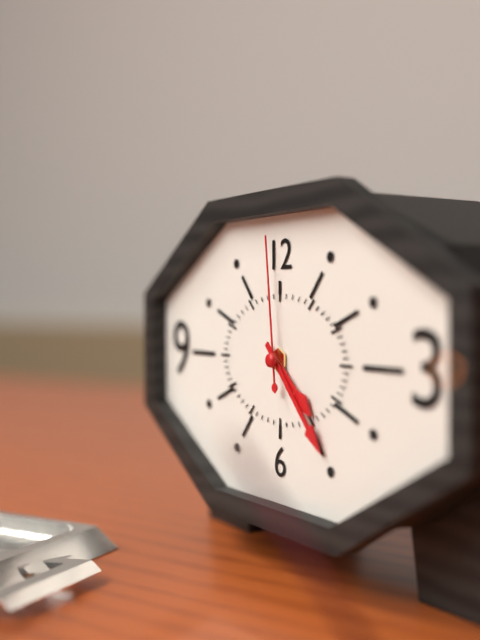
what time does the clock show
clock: 4:23:59
